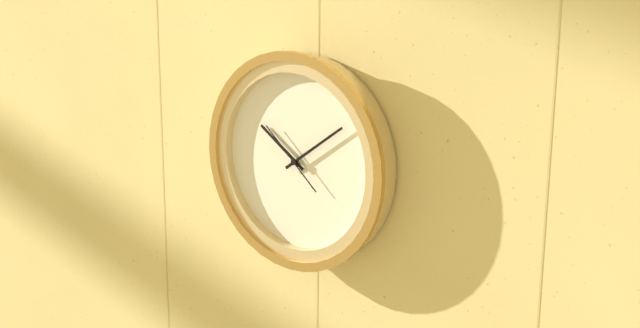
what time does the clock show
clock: 10:09:52
